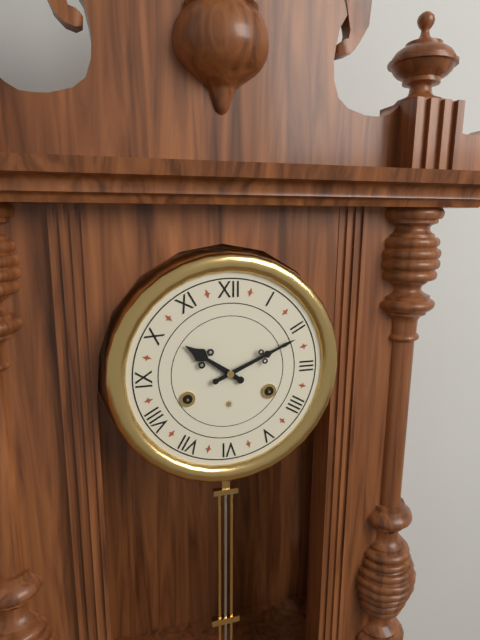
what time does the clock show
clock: 10:11
